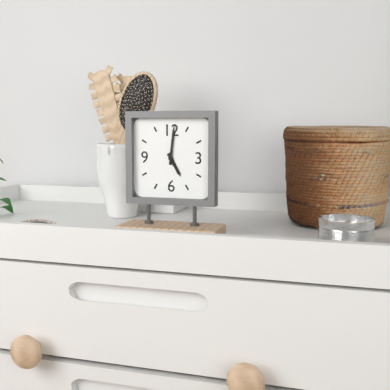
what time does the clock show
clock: 5:01
